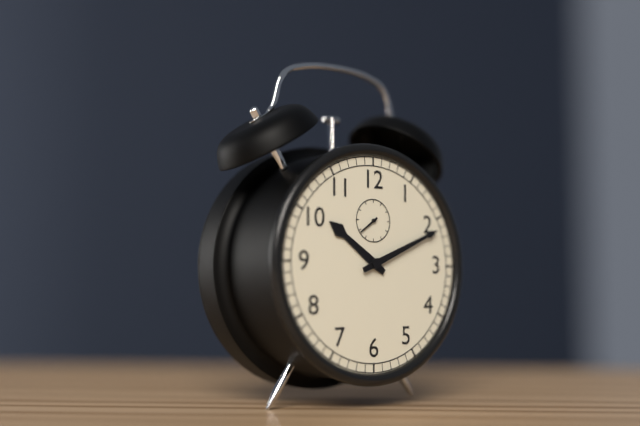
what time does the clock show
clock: 10:11
